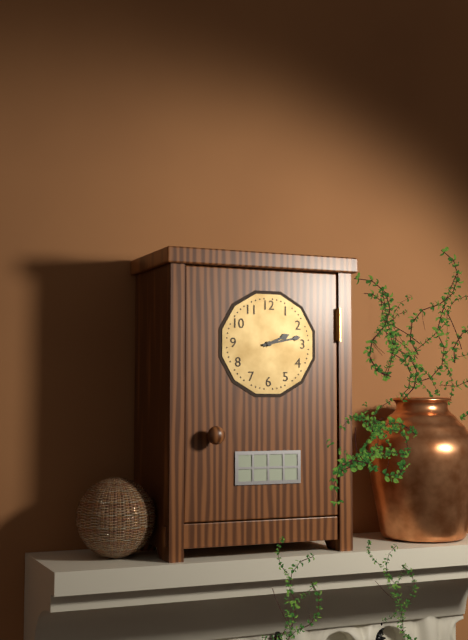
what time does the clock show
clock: 2:13
